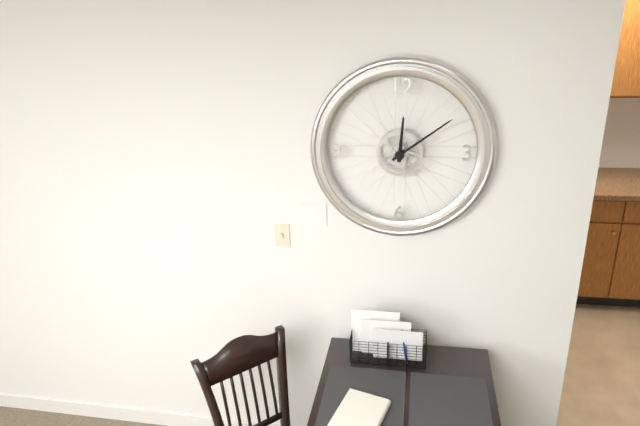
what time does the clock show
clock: 12:09
